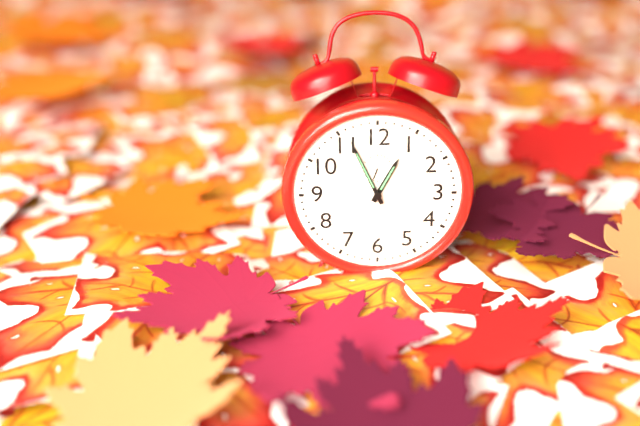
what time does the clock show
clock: 12:56
